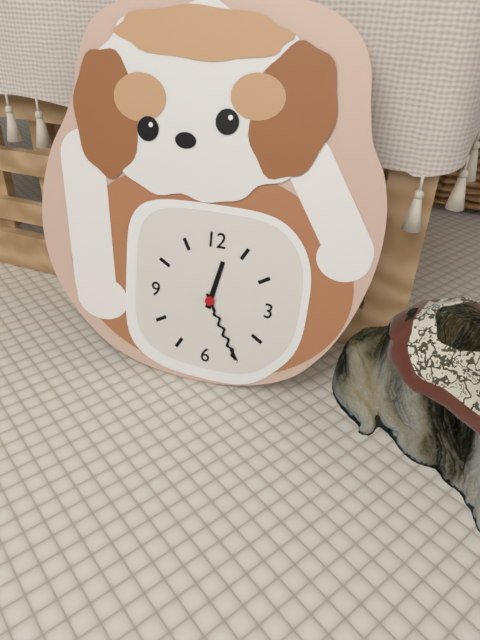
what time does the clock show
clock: 12:25
